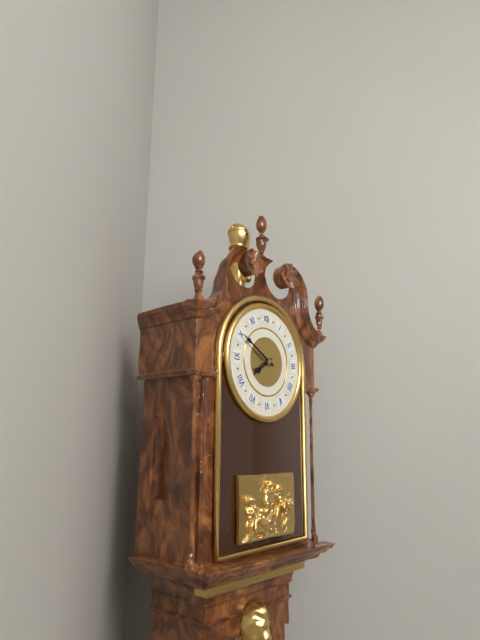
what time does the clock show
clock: 7:50
